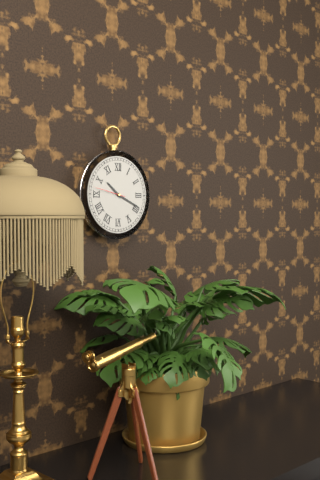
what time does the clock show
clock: 10:19
